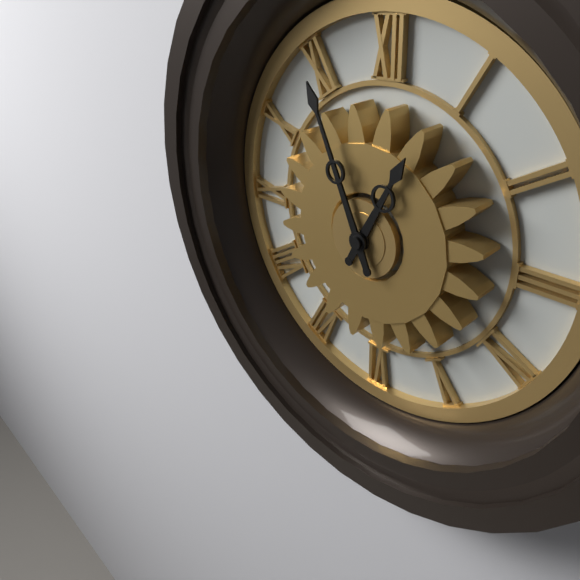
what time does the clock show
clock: 12:56
